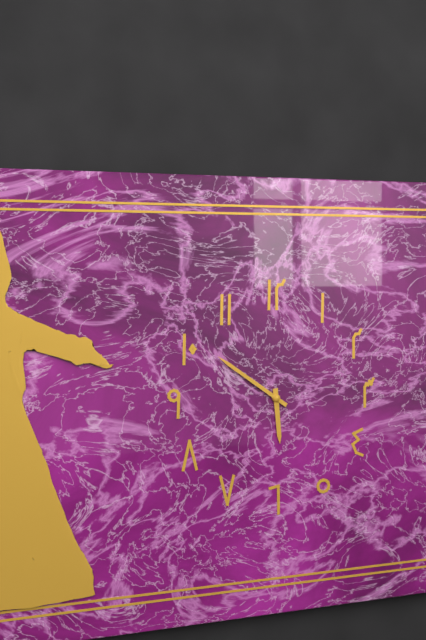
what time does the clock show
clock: 5:51
